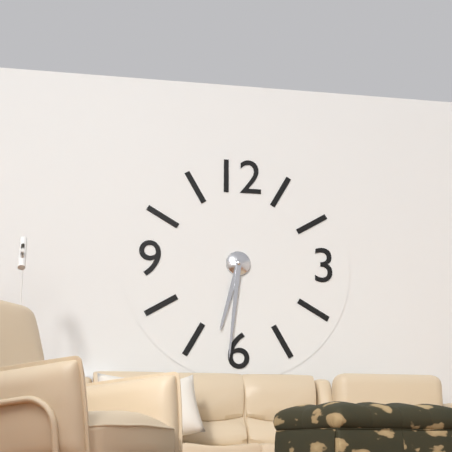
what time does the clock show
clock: 6:31
